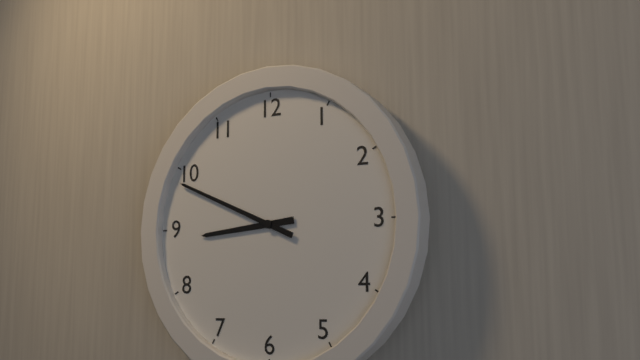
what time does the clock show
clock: 8:49
